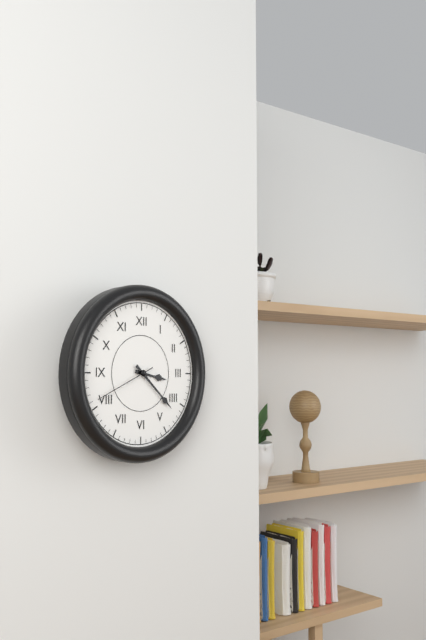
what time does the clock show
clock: 3:22:41
